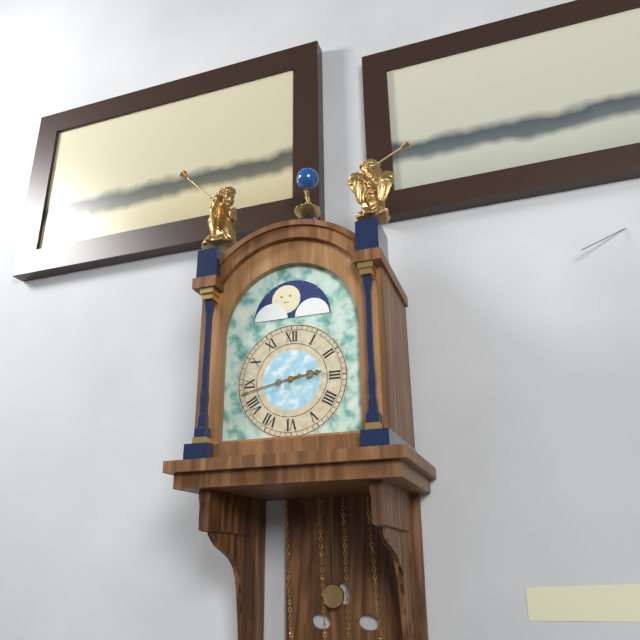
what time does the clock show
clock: 2:43
